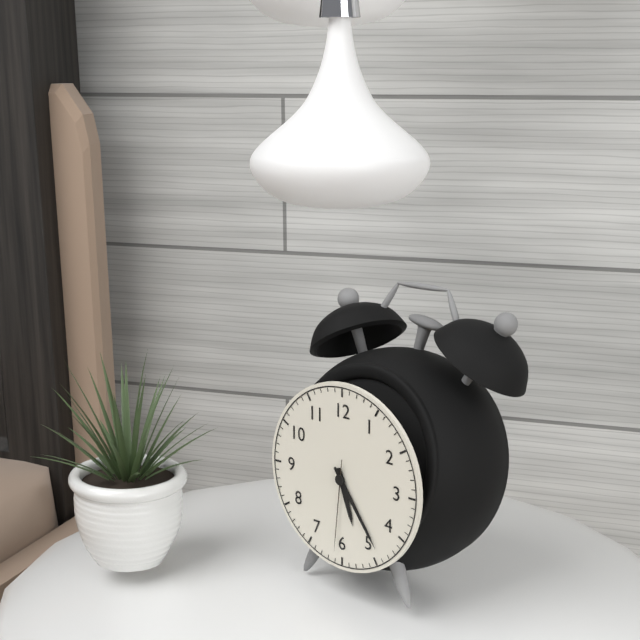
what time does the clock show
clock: 5:24:31
